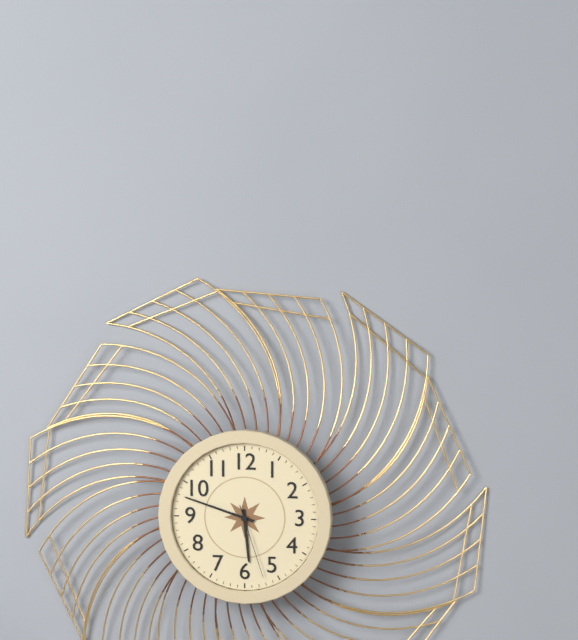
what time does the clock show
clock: 5:48:27
